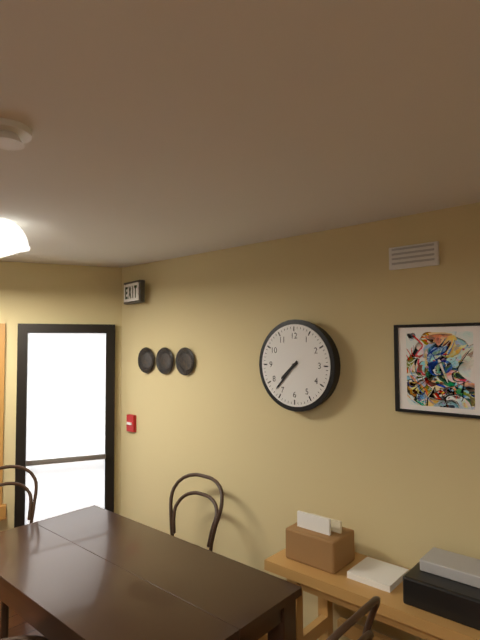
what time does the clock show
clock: 7:37
